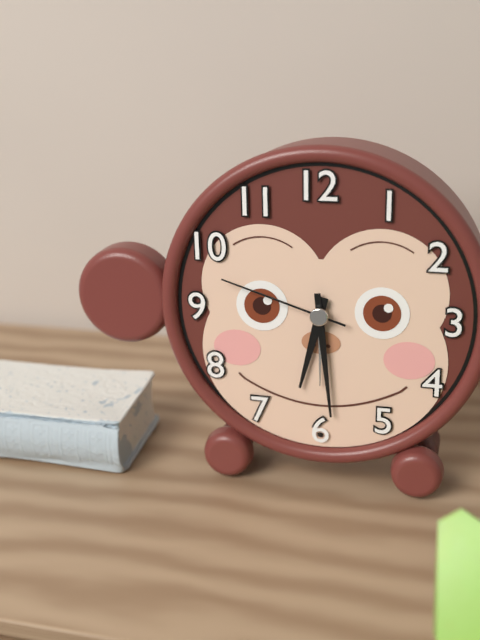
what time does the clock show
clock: 6:29:48
